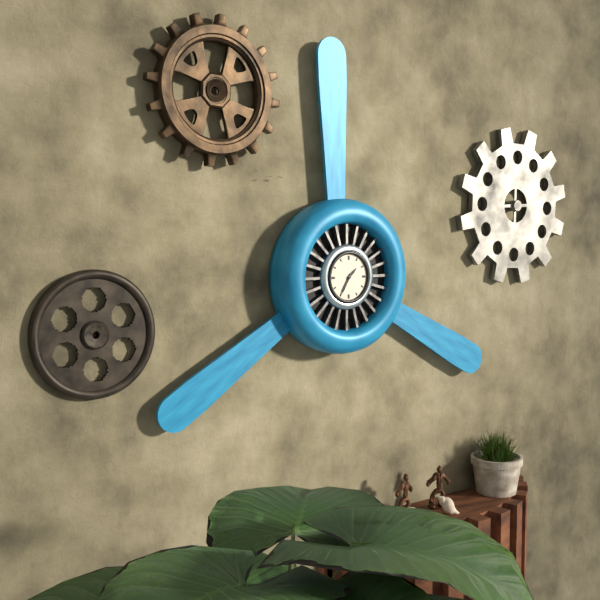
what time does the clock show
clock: 1:35
